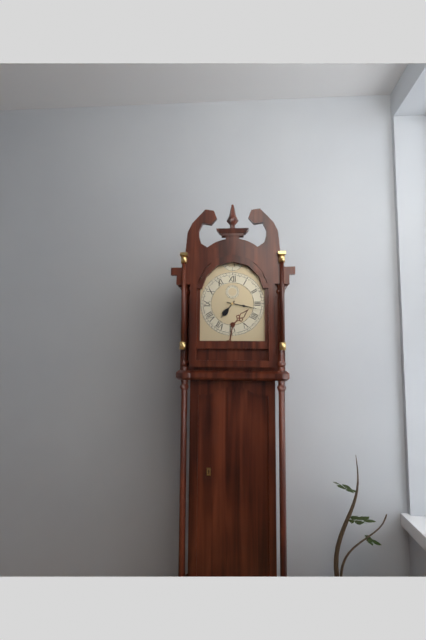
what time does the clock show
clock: 7:17
